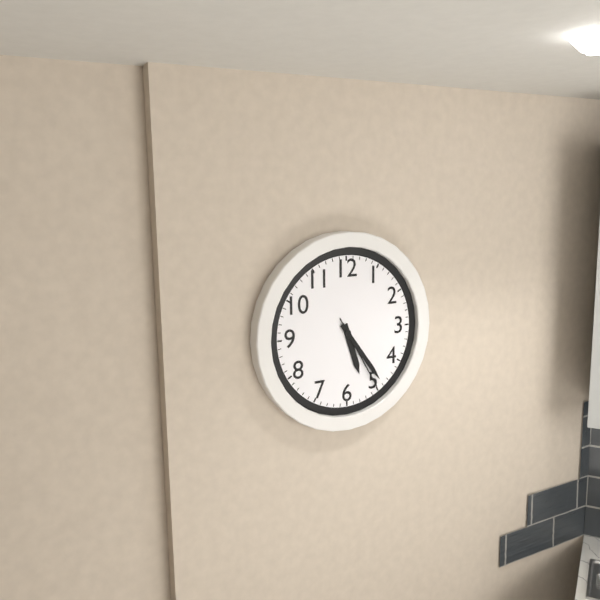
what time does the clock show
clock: 5:24:25
